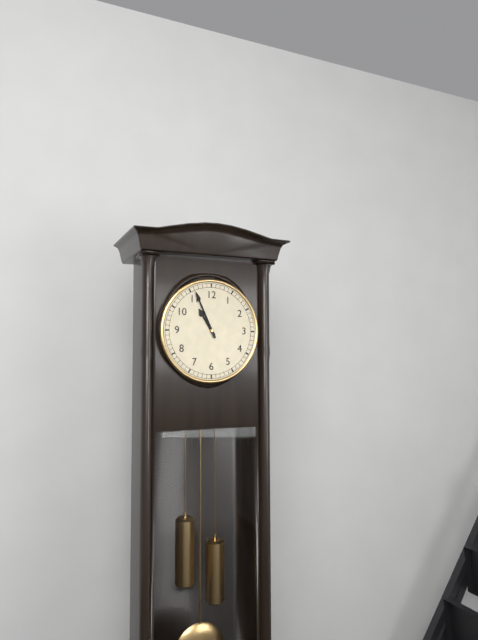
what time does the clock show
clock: 10:56
